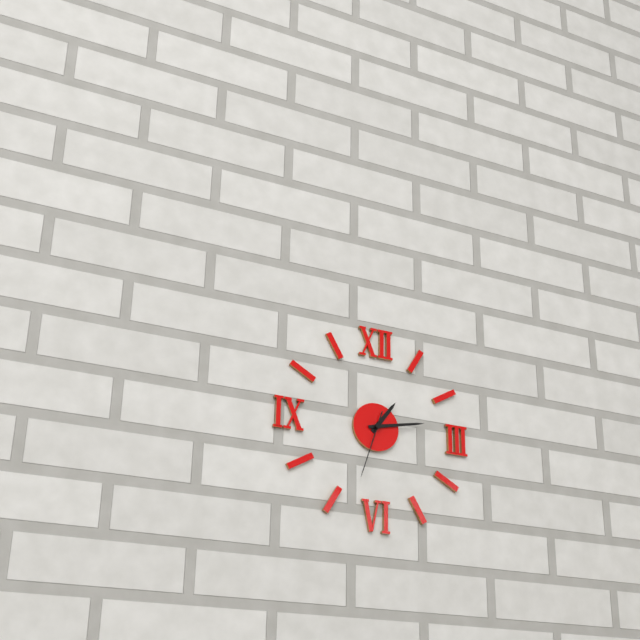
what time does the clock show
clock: 1:13:33
